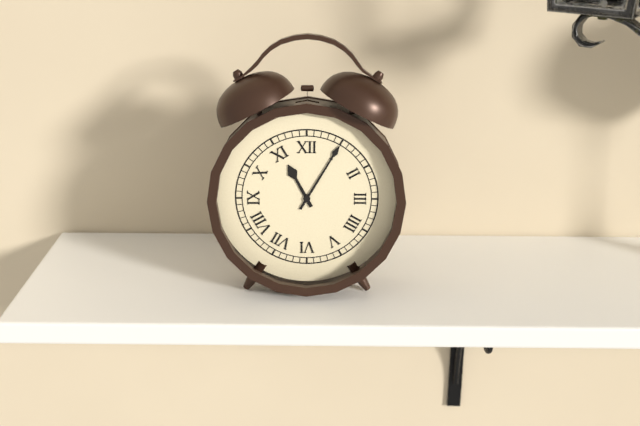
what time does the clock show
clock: 11:05
